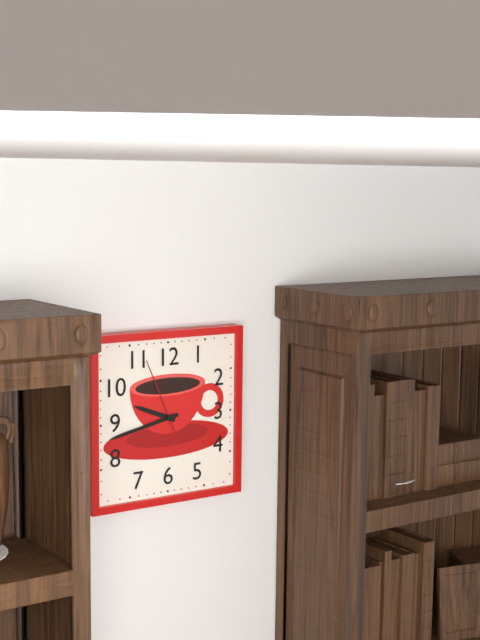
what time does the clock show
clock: 9:43:56
